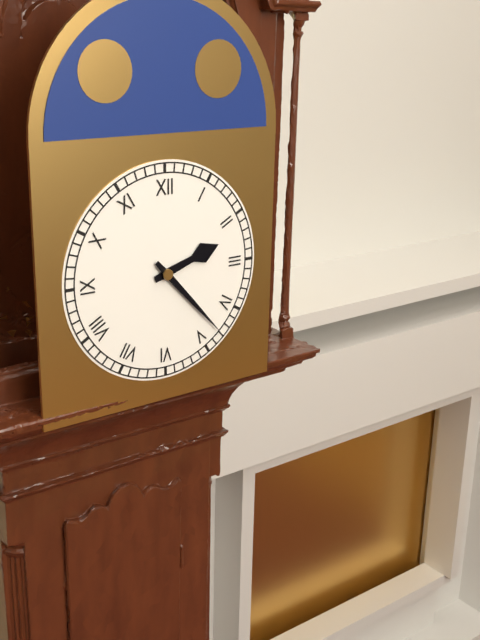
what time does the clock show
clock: 2:23
